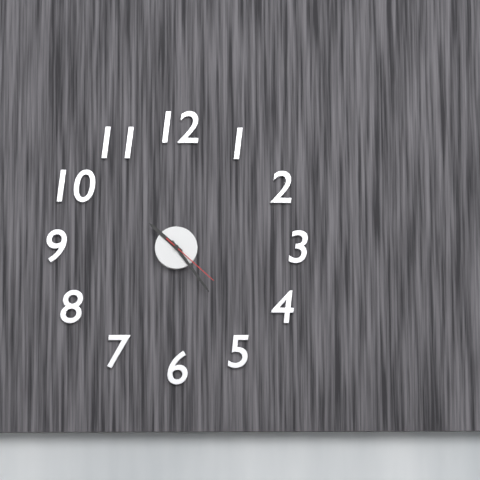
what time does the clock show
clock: 10:24:22
